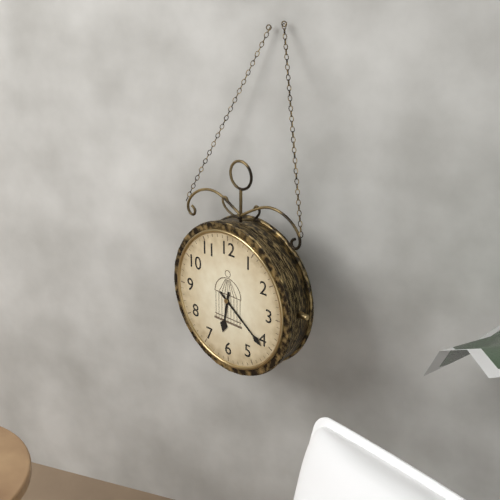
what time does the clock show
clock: 6:21
